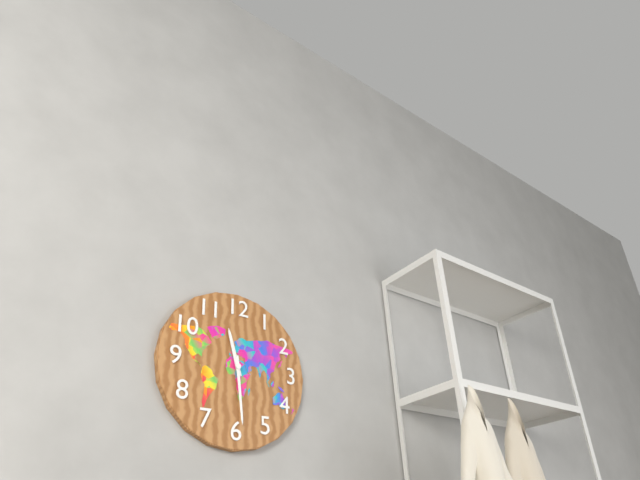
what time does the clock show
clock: 11:29
